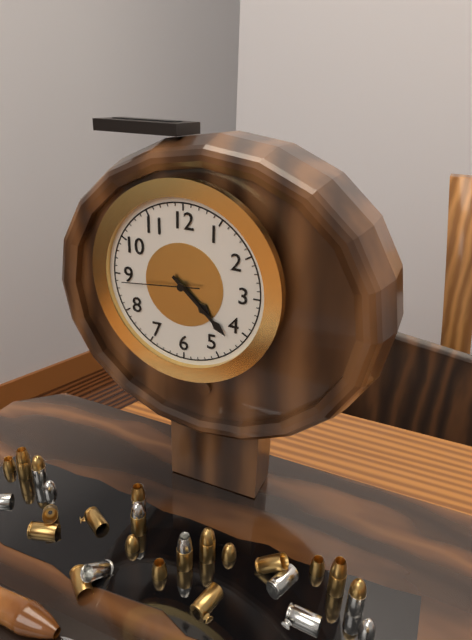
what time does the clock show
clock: 4:22:44
